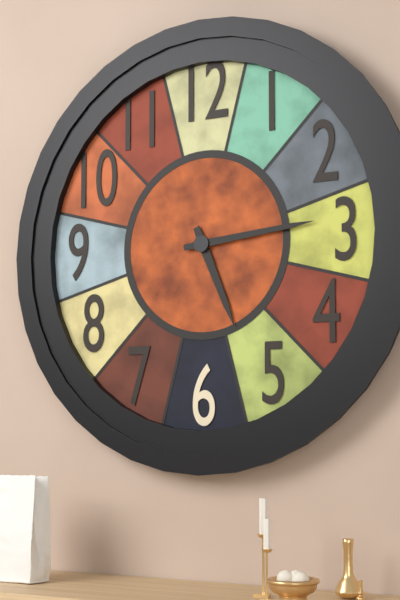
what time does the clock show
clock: 5:14
